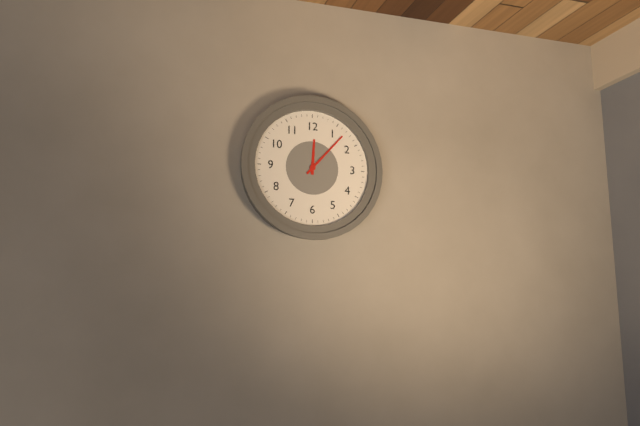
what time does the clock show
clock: 12:07
